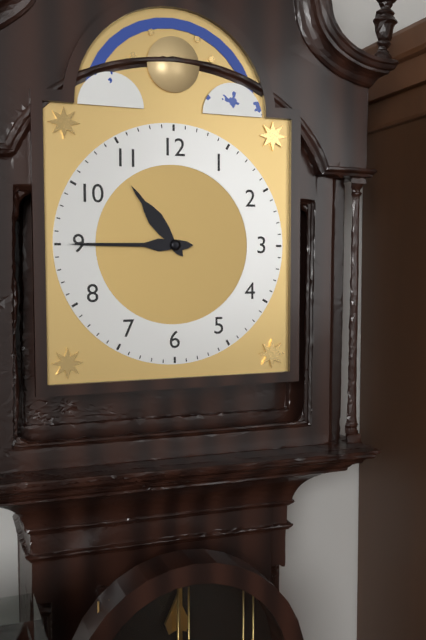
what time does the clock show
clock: 10:45
